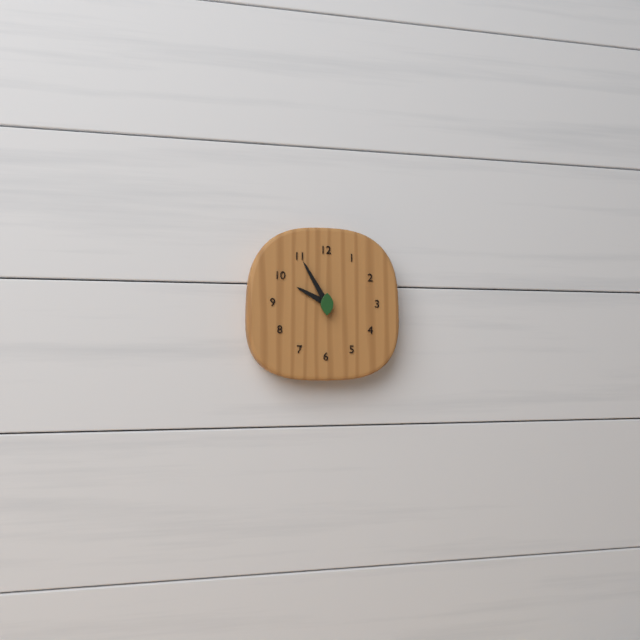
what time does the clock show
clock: 9:55
